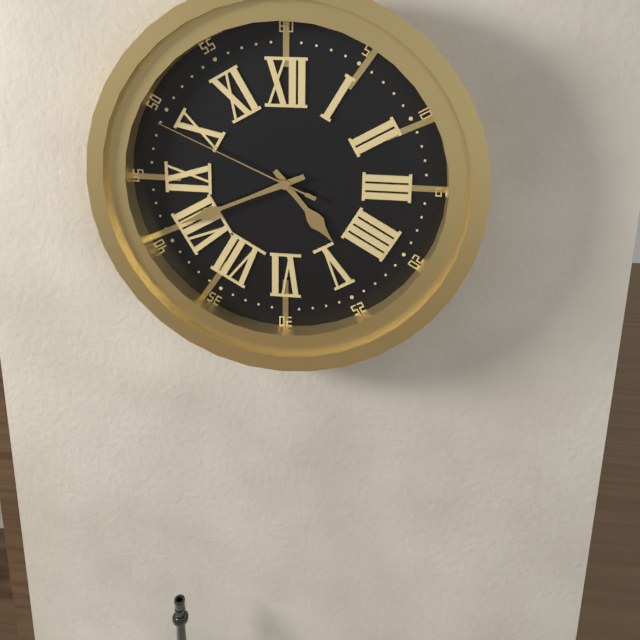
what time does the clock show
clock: 4:41:49
